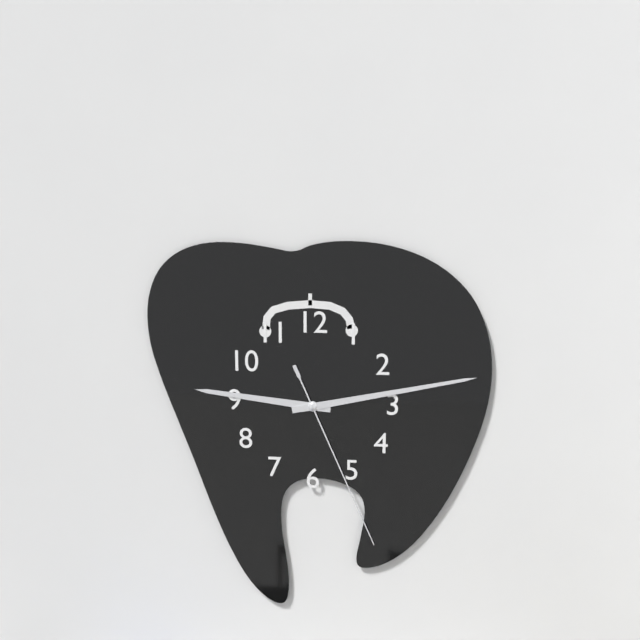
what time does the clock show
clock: 9:13:26
